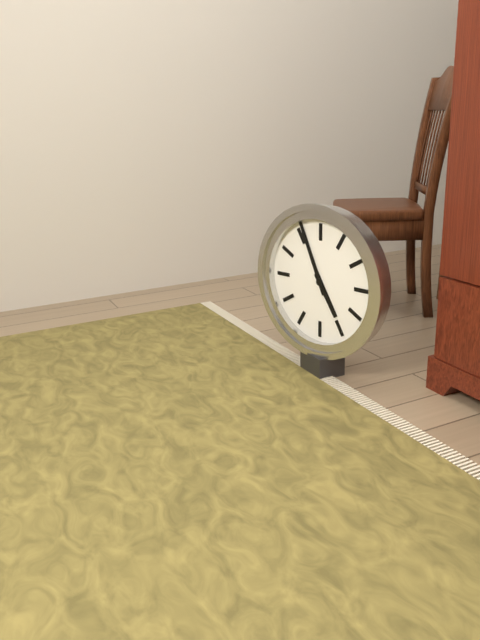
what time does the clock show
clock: 4:56
